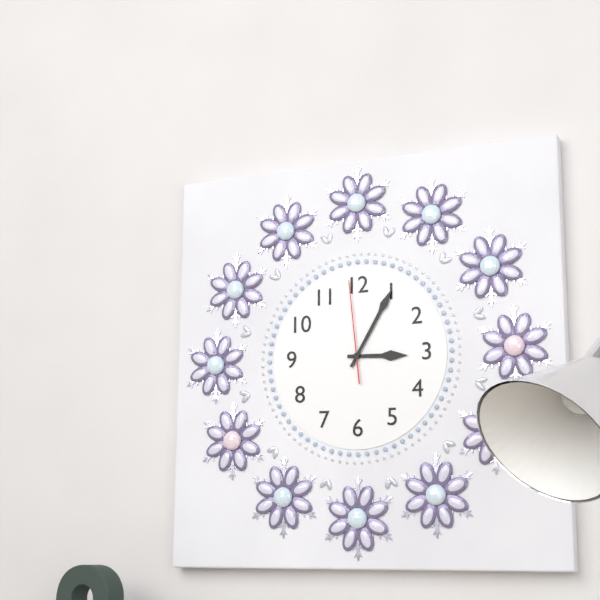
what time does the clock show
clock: 3:05:59
